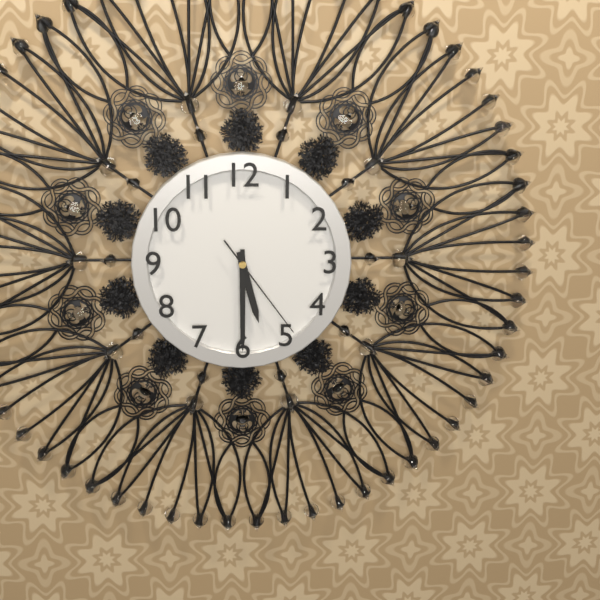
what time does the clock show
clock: 5:30:24
